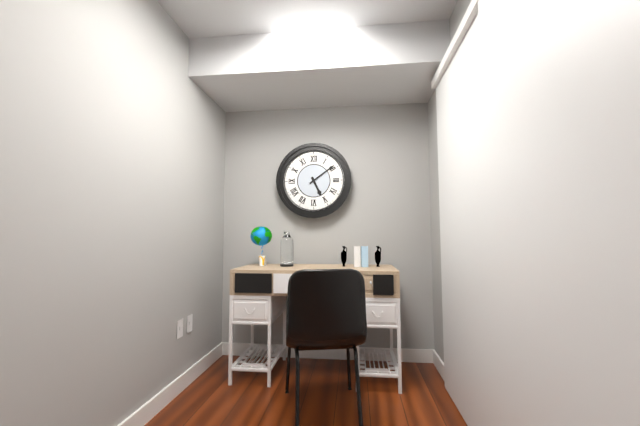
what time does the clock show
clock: 5:09
